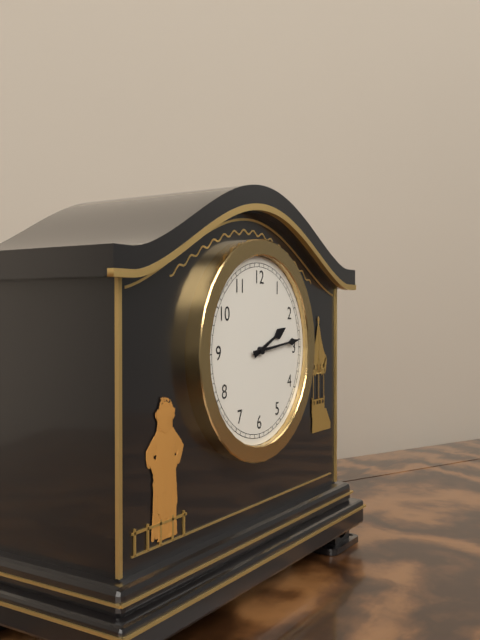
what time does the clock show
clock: 2:14
